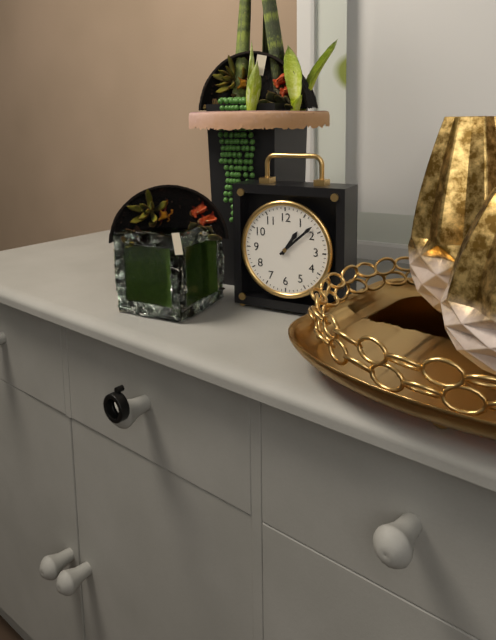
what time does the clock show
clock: 1:08
